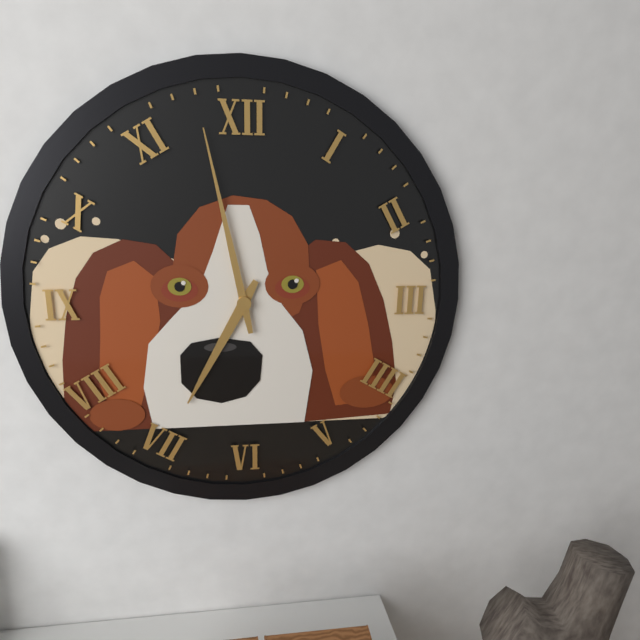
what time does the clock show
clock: 6:58
